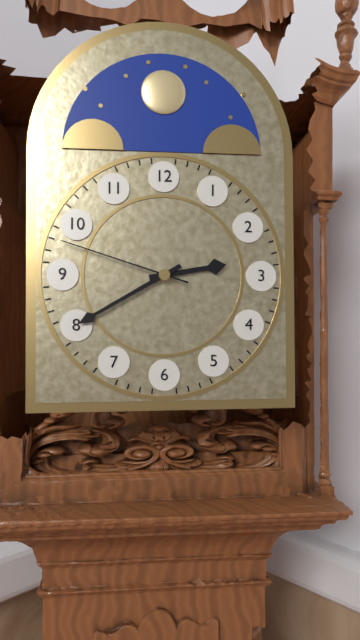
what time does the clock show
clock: 2:40:48
